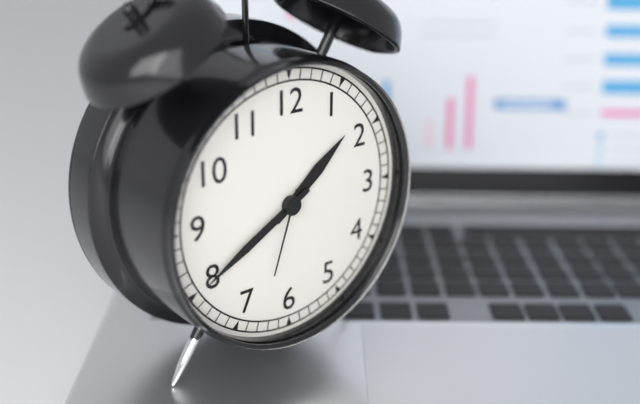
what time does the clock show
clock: 1:40:33
